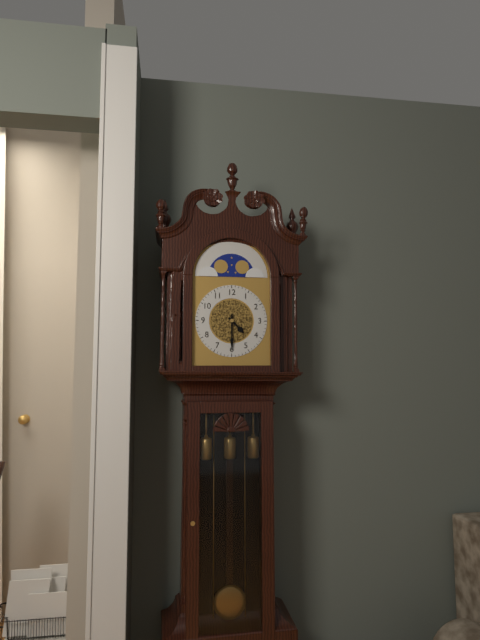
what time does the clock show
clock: 4:30
